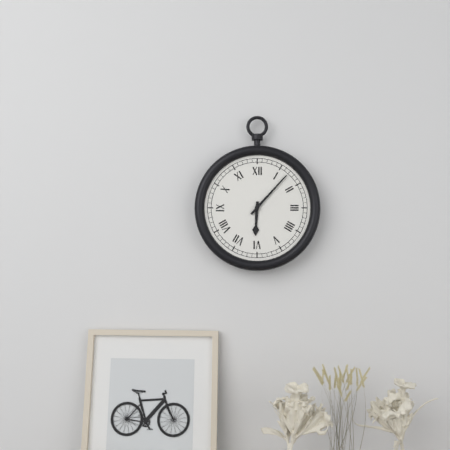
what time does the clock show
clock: 6:07
